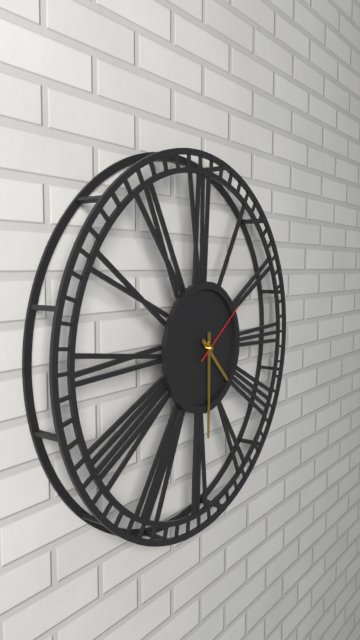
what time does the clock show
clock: 4:30:09
